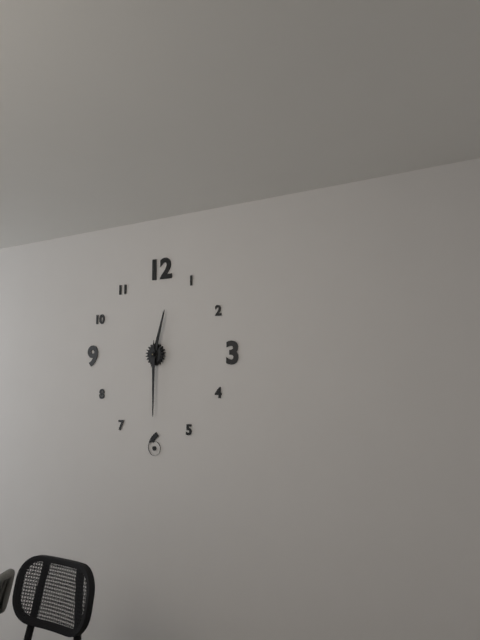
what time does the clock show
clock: 12:30
